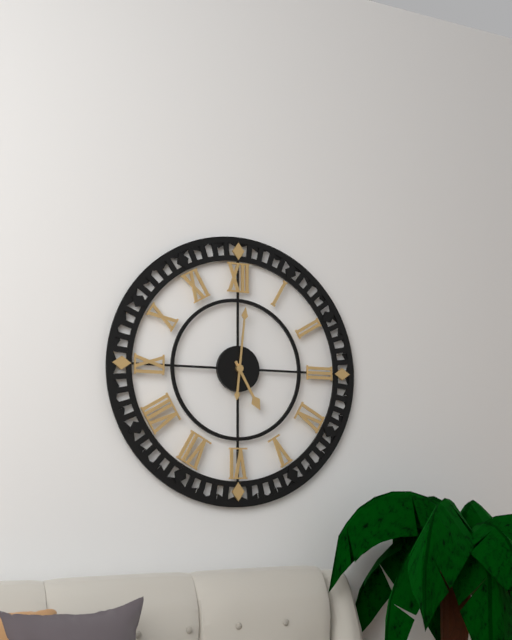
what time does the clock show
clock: 5:01
